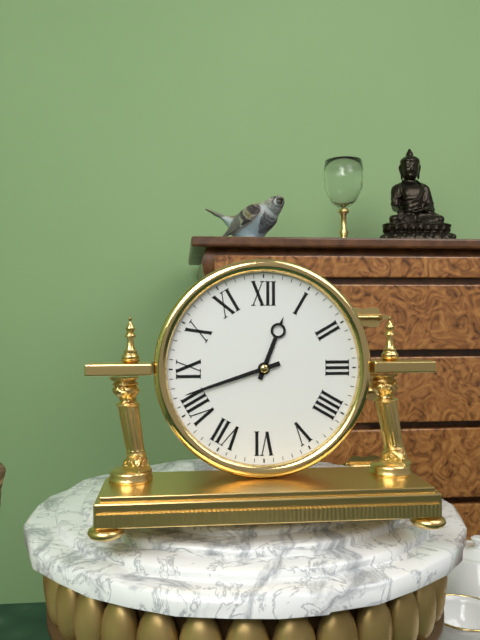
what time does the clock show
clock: 12:42
